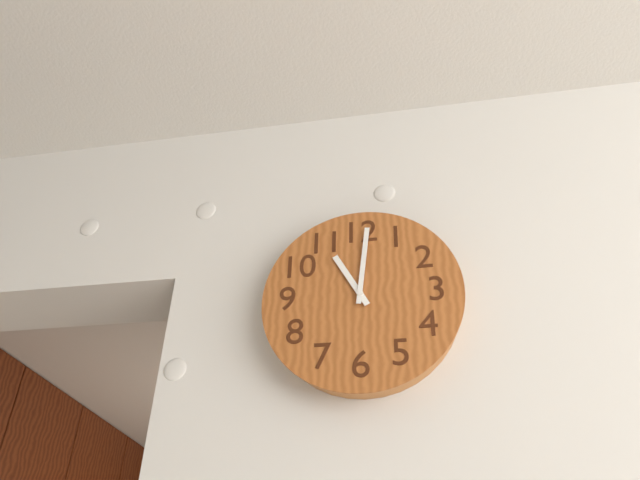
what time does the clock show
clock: 11:01
